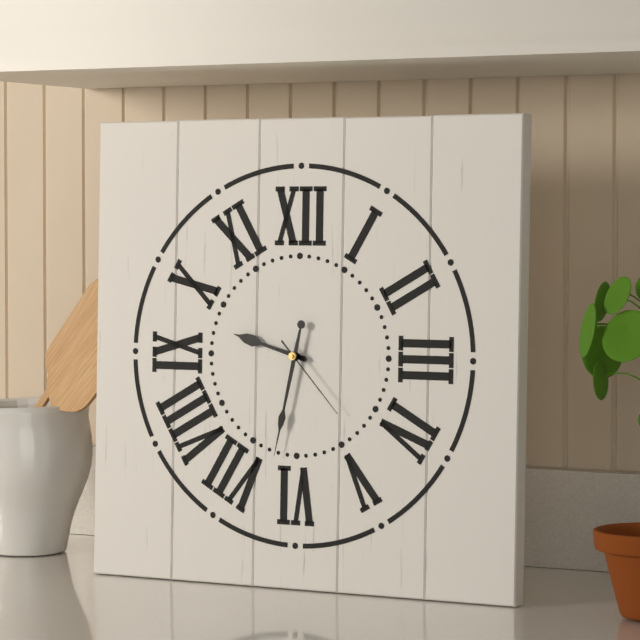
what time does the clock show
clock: 9:32:23
